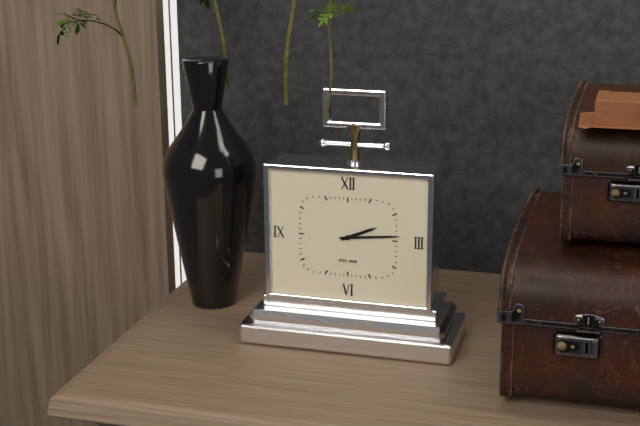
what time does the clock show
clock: 2:14
